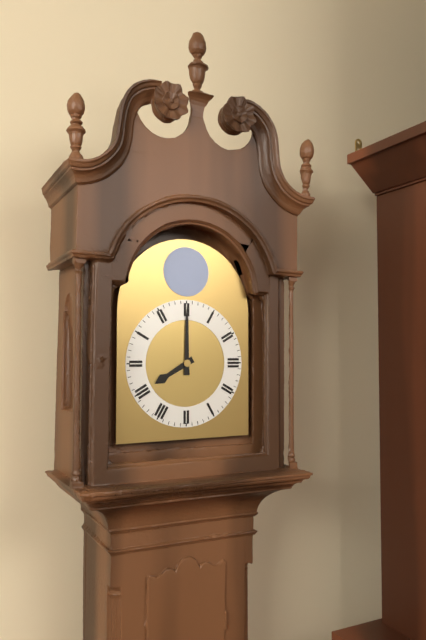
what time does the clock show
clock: 8:00
